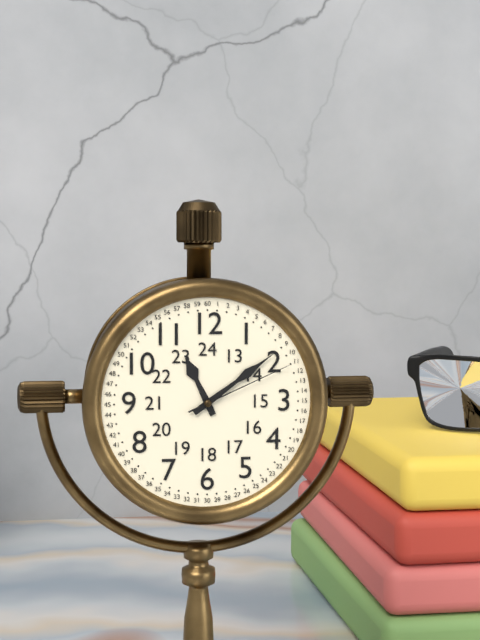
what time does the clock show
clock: 11:09:11
